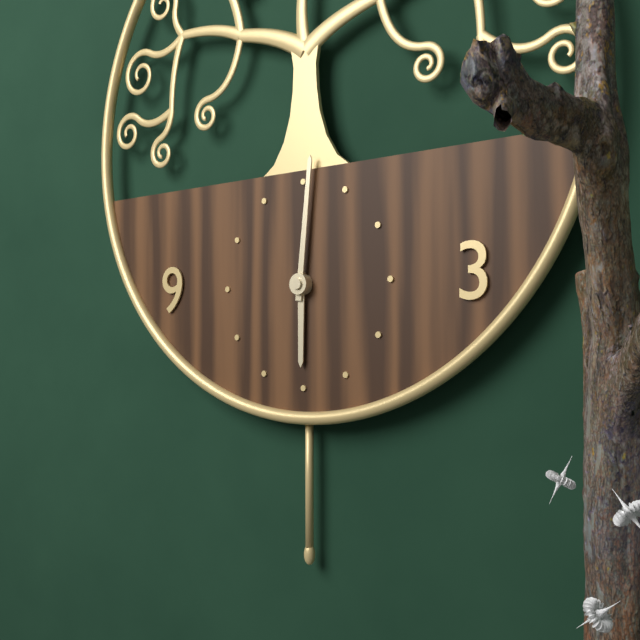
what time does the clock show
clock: 6:01
